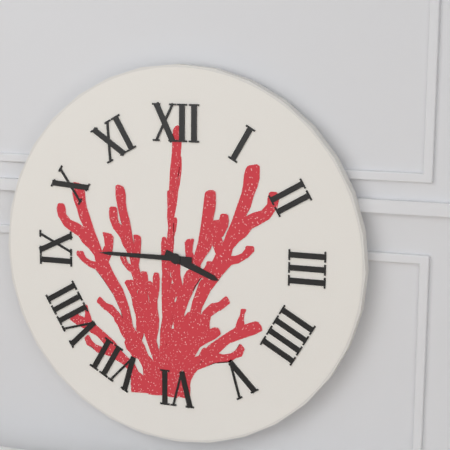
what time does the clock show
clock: 3:45
